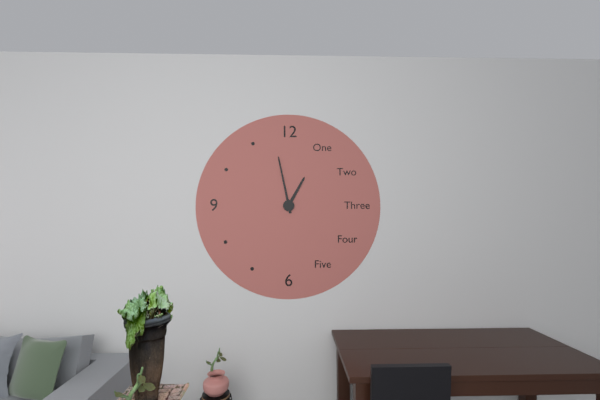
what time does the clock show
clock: 12:58
